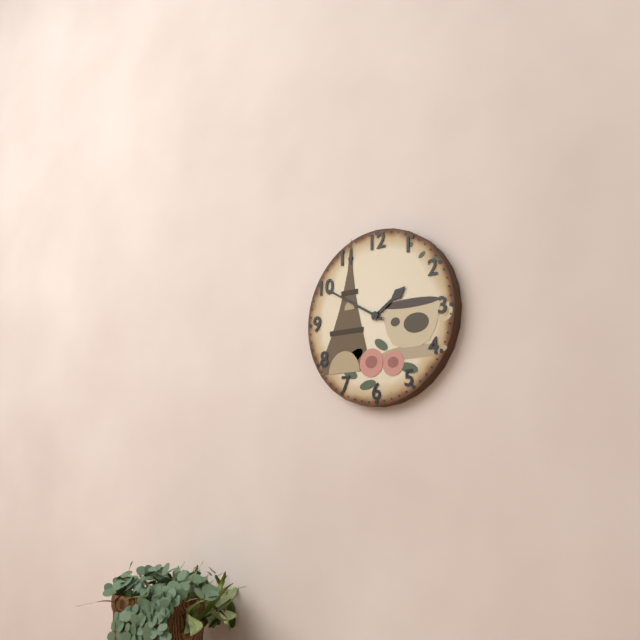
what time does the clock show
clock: 1:50
